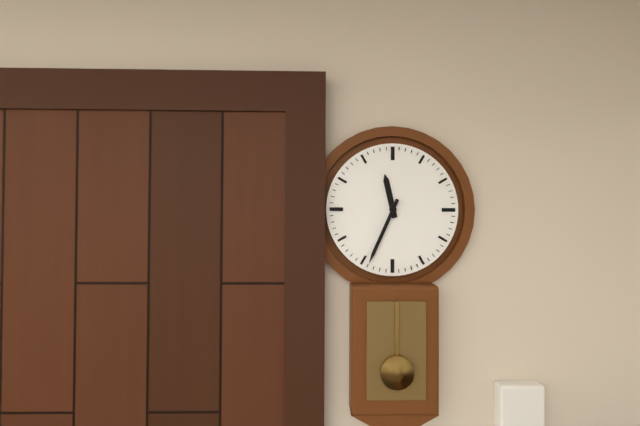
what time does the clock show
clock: 11:34
